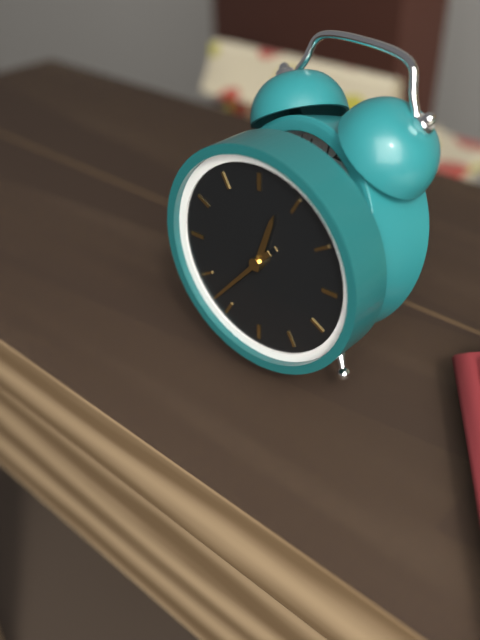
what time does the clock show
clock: 12:37
